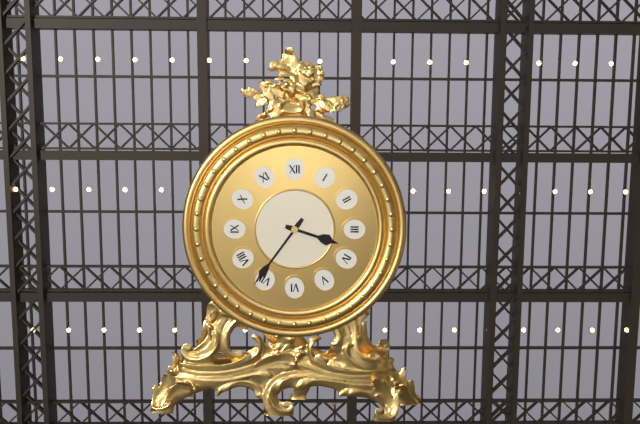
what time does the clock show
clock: 3:36
